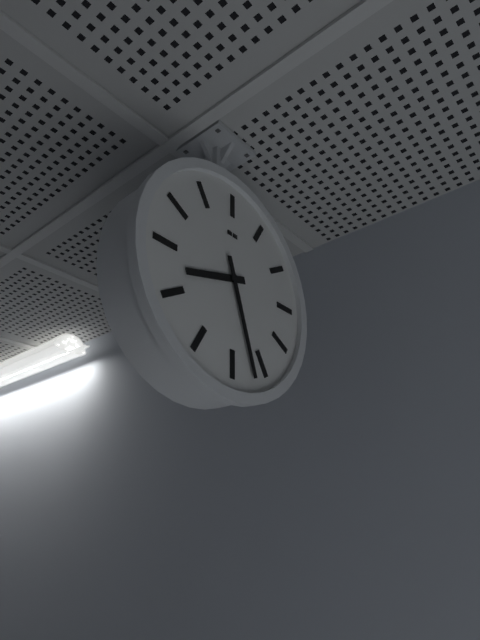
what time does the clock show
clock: 8:27
